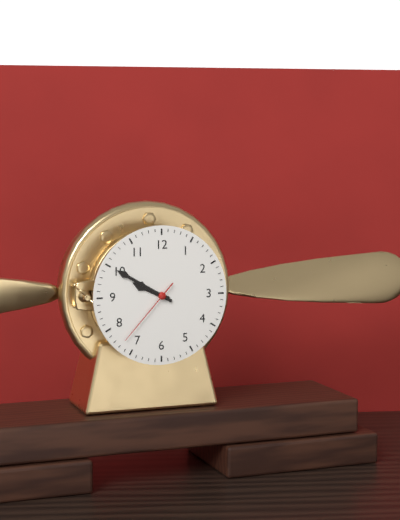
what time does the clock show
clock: 9:50:37
